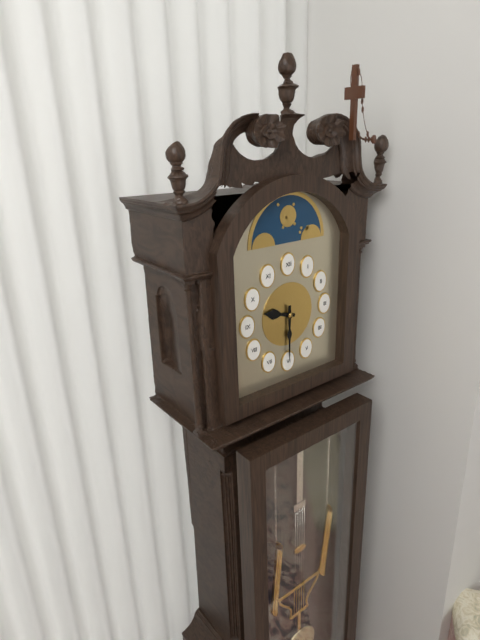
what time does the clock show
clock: 9:30
